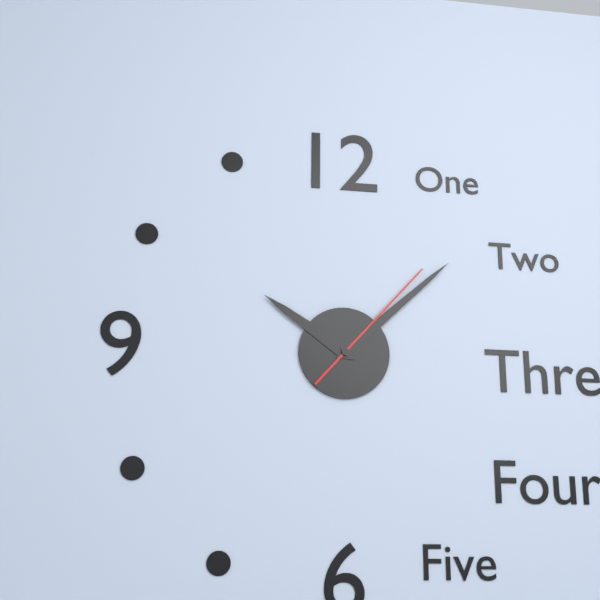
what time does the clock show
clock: 10:08:07
